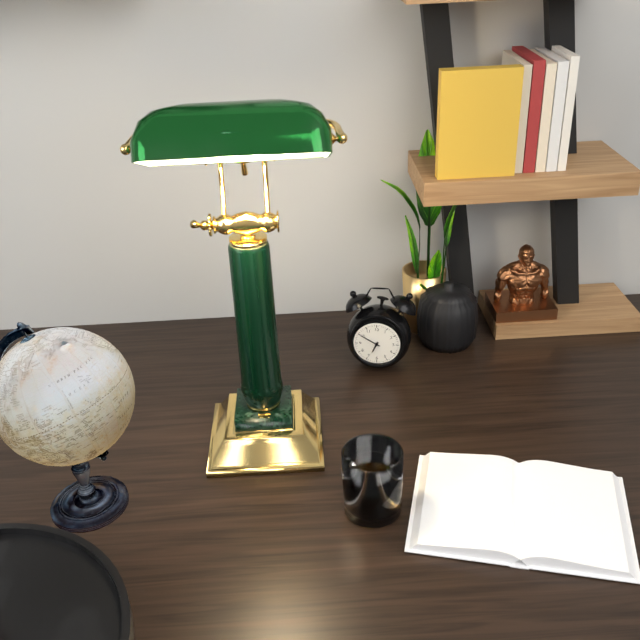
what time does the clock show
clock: 6:50
